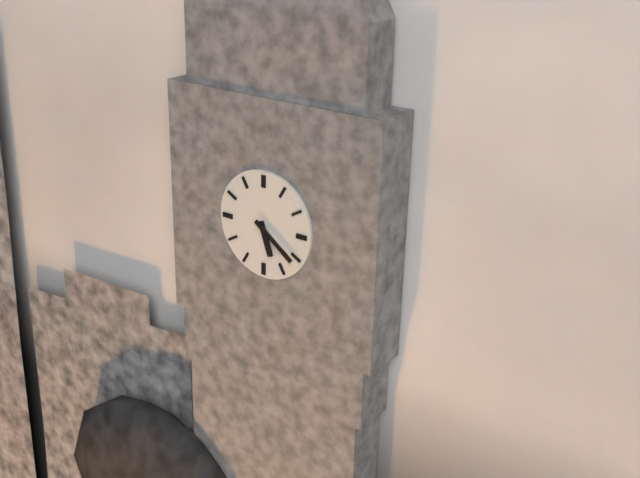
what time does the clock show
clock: 5:21
